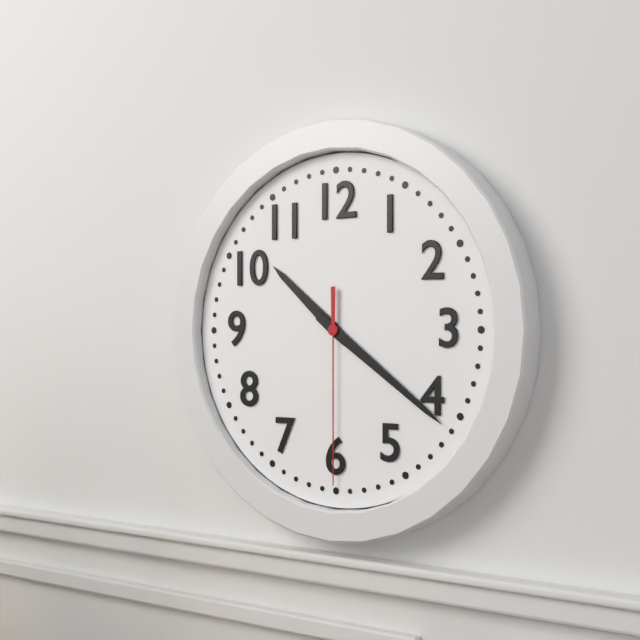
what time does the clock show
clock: 10:21:30
